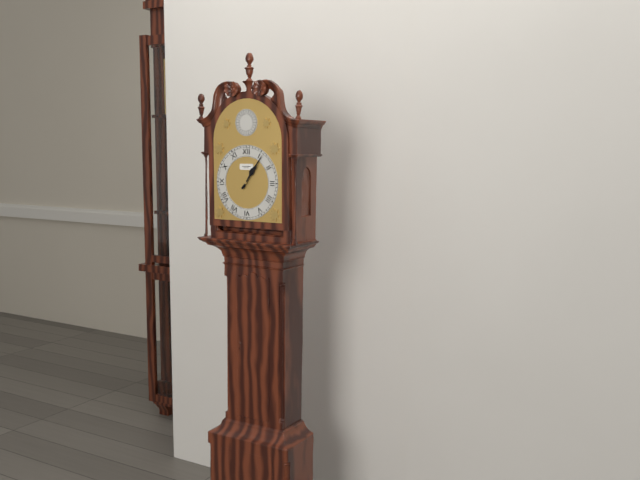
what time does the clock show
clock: 1:06
